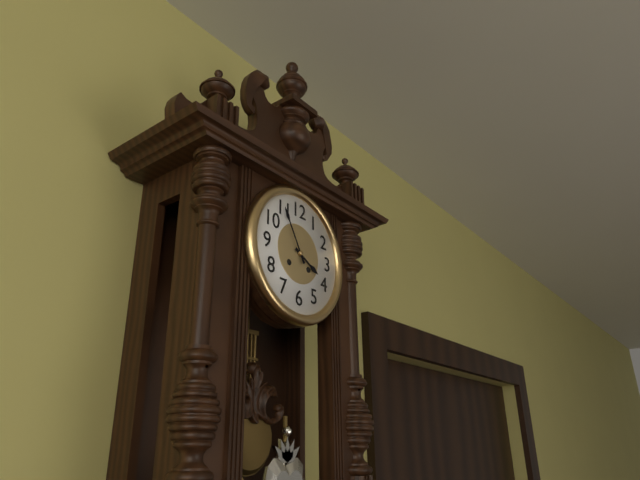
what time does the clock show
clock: 3:55
